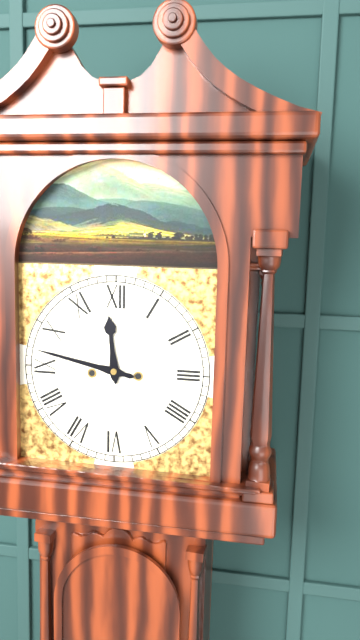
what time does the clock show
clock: 11:47
